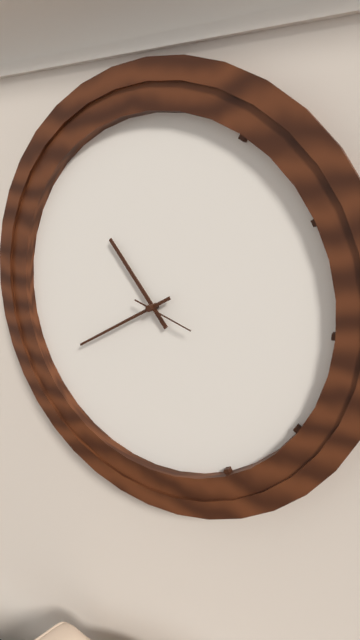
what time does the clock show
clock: 10:40:18
